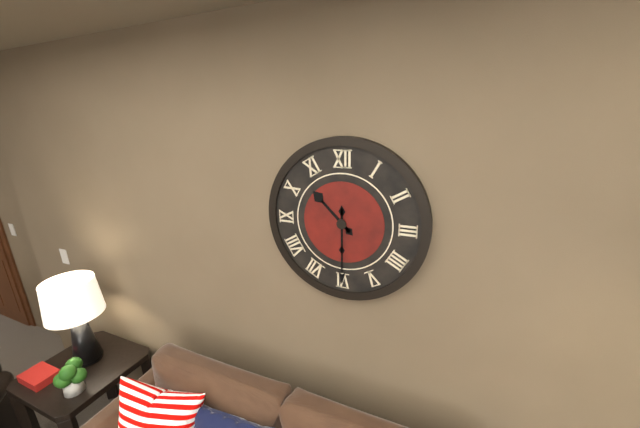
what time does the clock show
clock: 10:30
